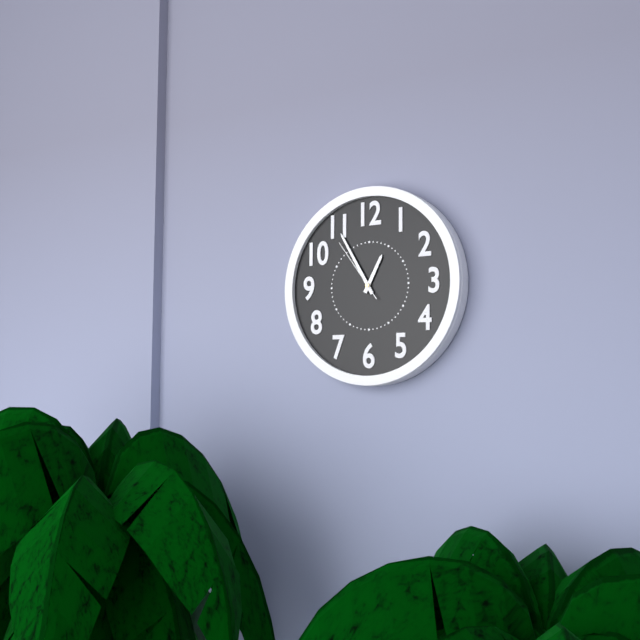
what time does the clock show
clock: 12:55:54
